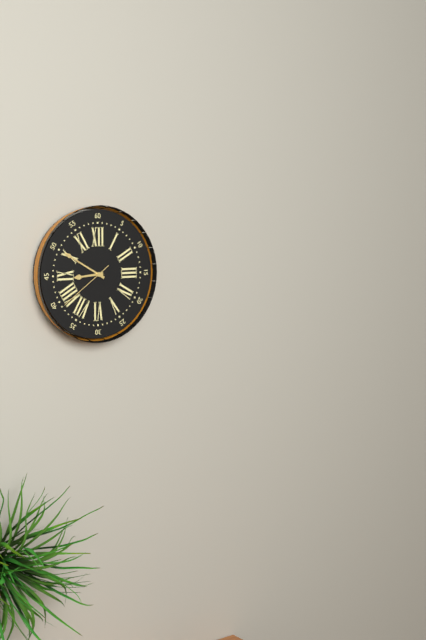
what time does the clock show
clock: 8:50:39
